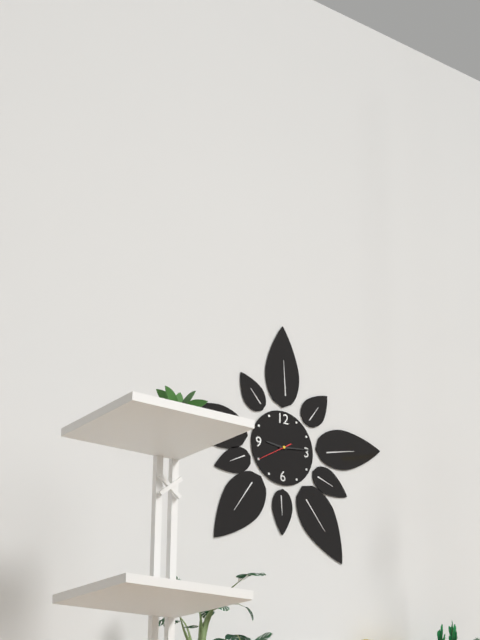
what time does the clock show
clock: 9:14
